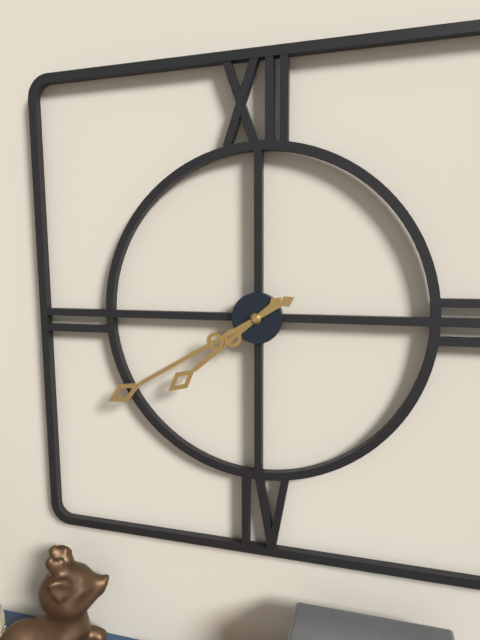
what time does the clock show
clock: 7:40
